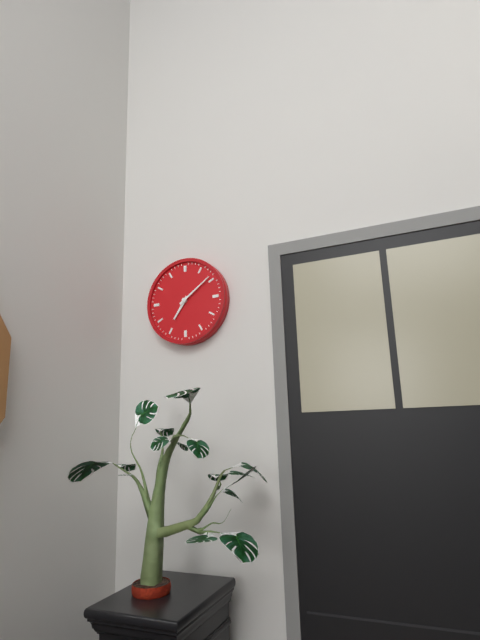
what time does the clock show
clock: 7:09
